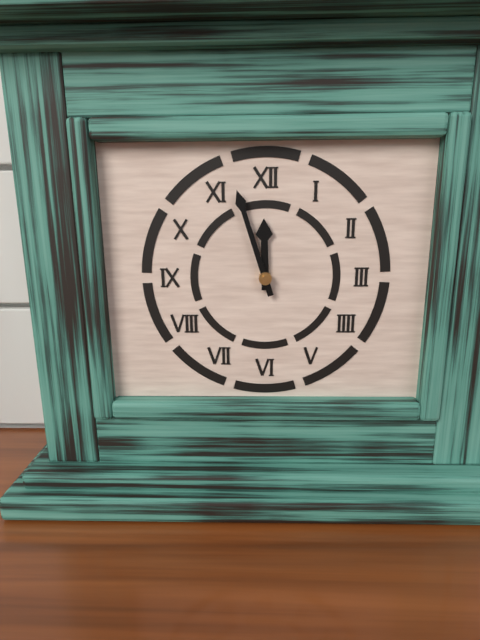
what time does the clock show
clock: 11:57
